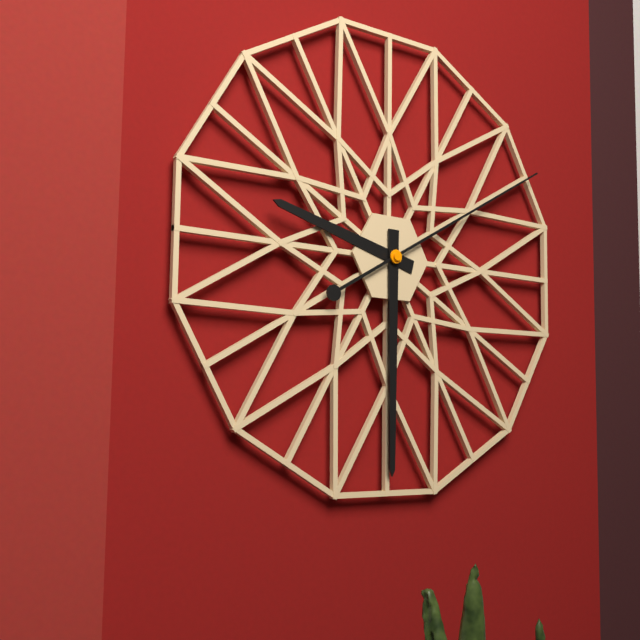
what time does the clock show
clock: 9:30:10
